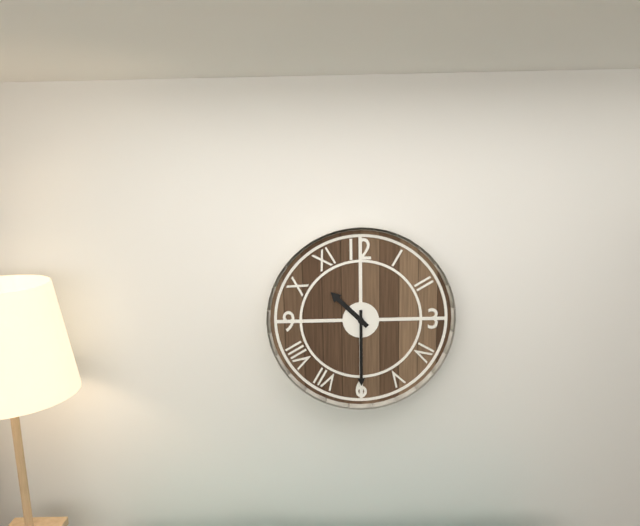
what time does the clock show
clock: 10:30
